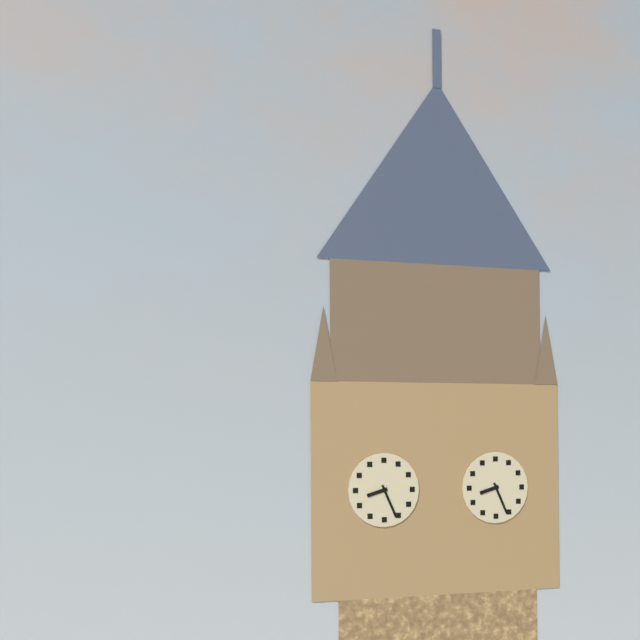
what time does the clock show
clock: 8:26
